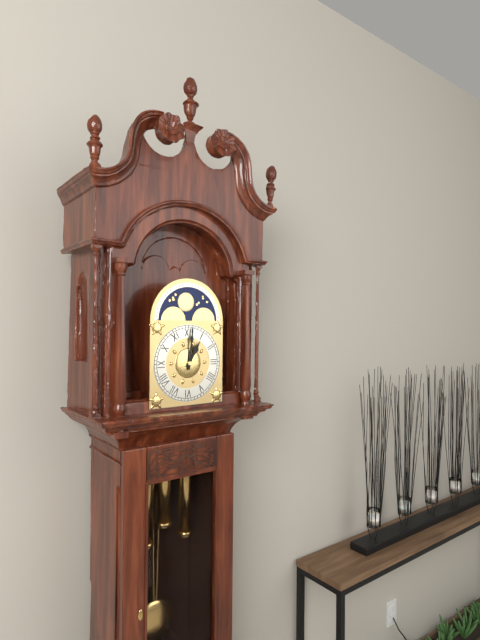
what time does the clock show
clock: 1:01
